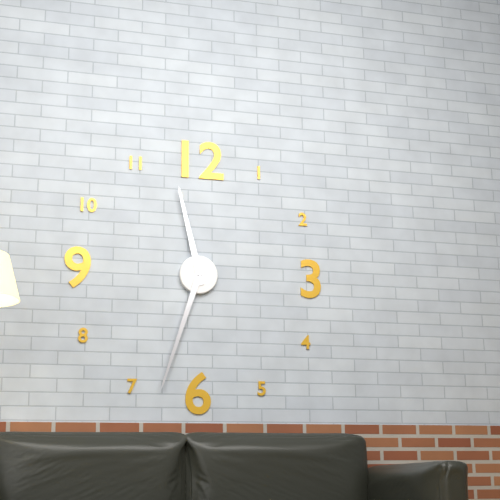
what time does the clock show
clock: 11:33
